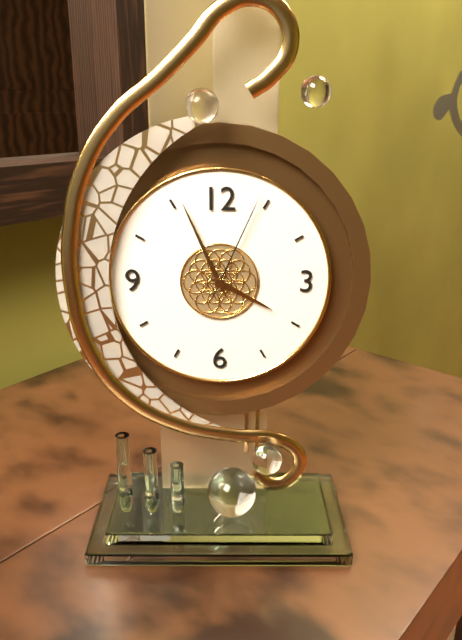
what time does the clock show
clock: 3:56:04
